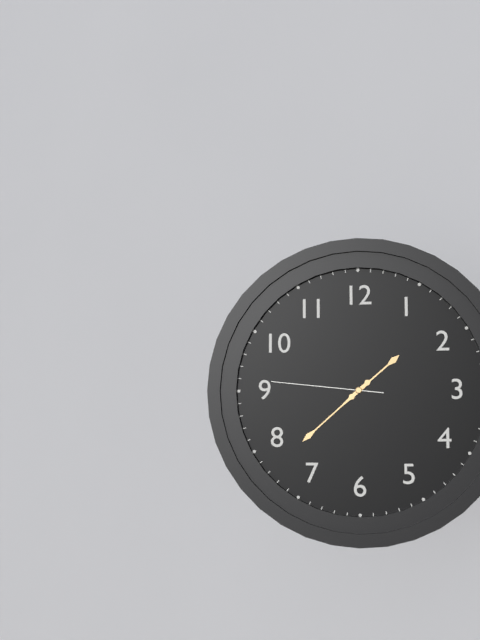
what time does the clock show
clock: 1:38:46
